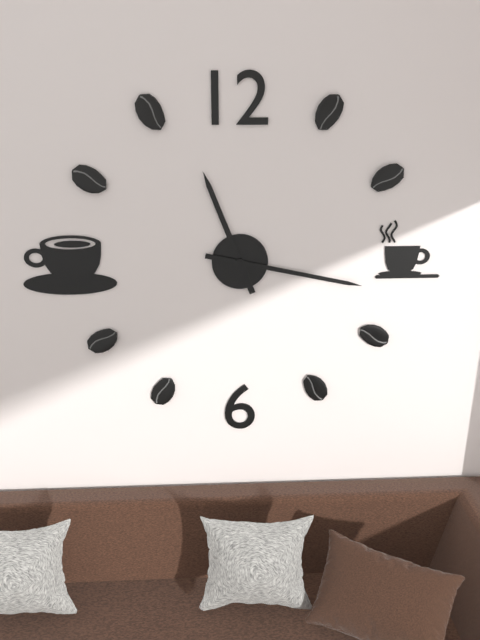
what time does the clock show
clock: 11:17
